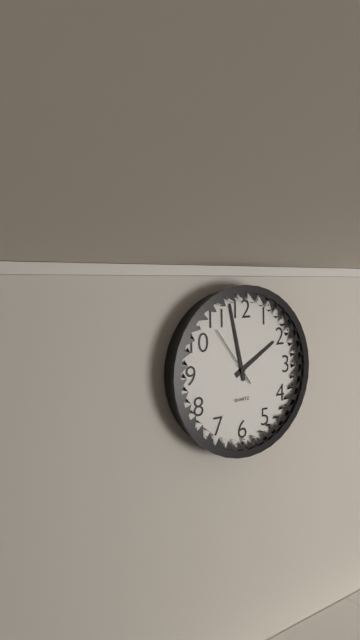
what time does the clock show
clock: 1:58:54
